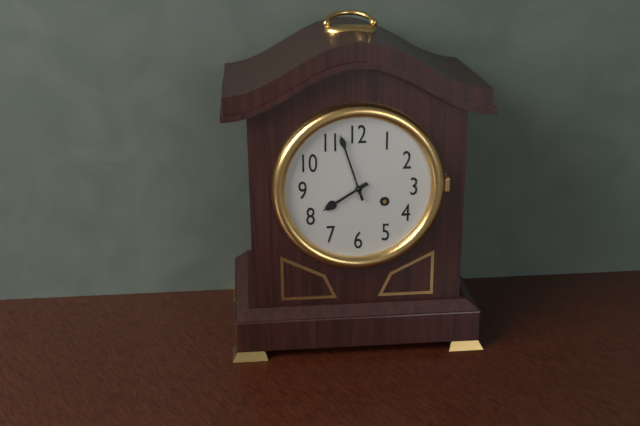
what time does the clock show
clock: 7:57
